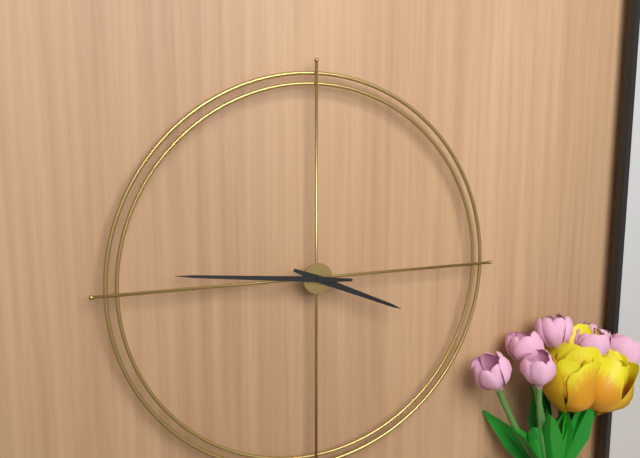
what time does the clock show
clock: 3:46
